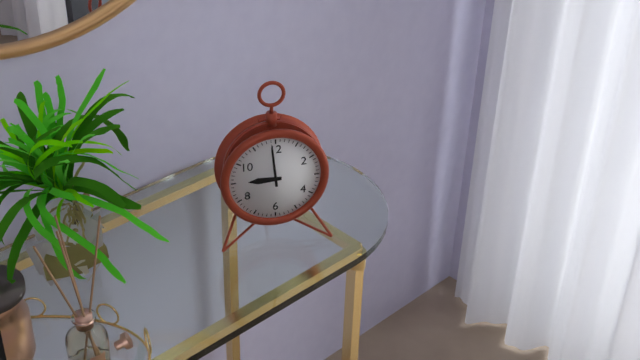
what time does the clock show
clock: 8:59
